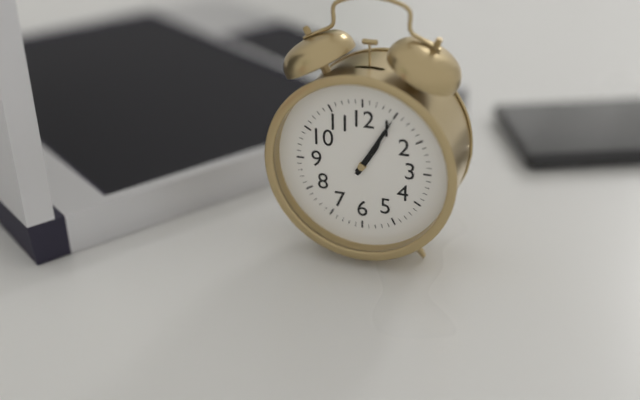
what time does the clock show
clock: 1:05
